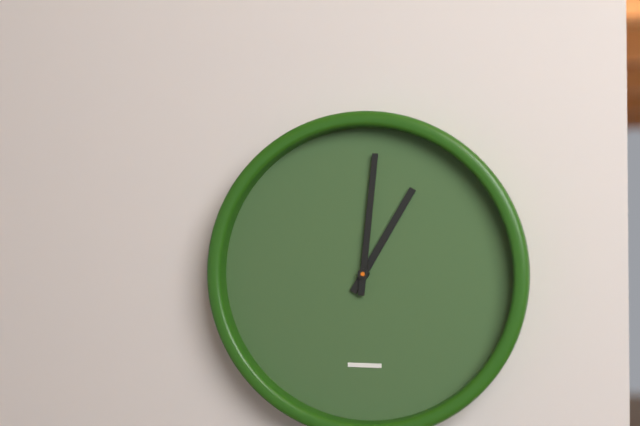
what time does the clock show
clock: 1:01
